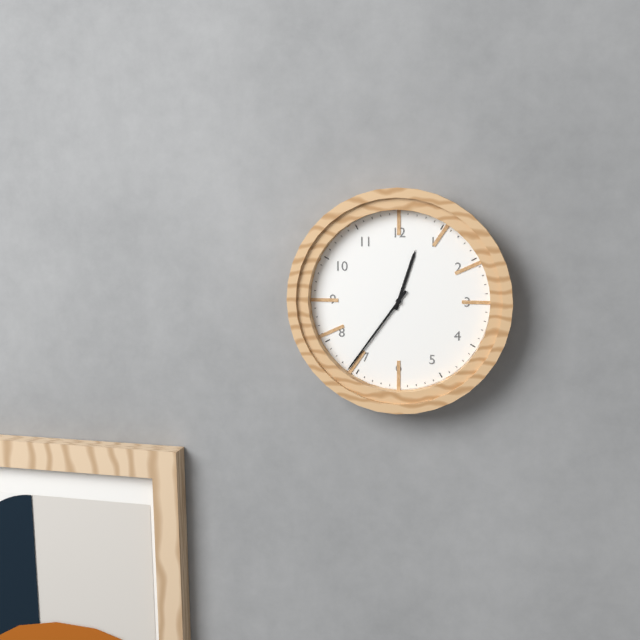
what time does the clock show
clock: 12:36
